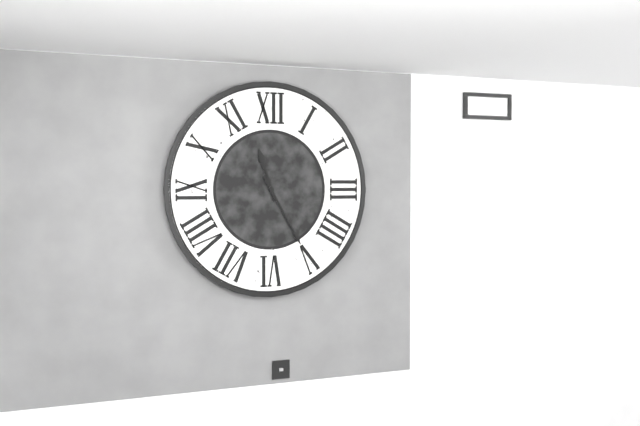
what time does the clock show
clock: 11:25
